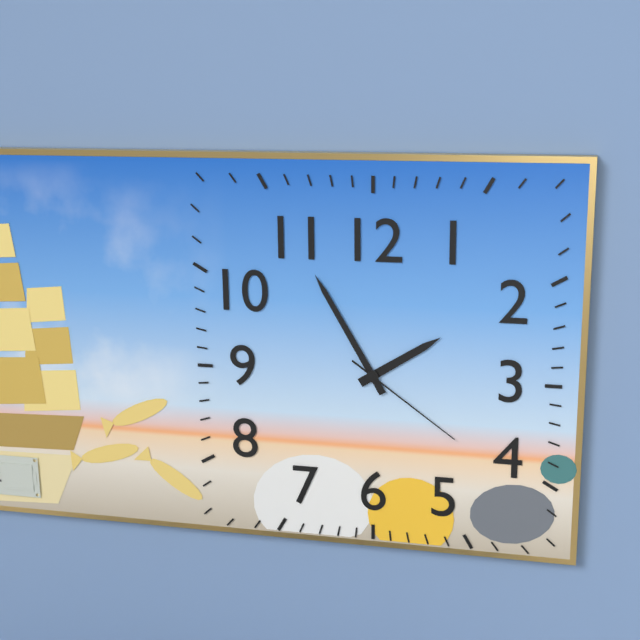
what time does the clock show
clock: 1:55:21
